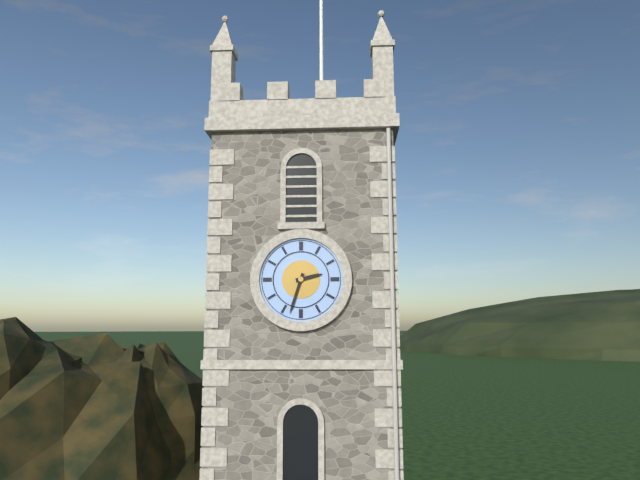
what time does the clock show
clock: 2:33
